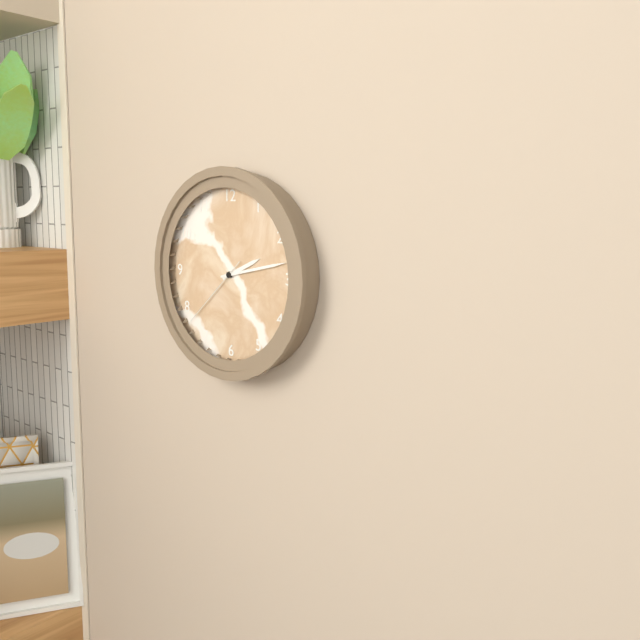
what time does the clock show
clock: 2:13:38
